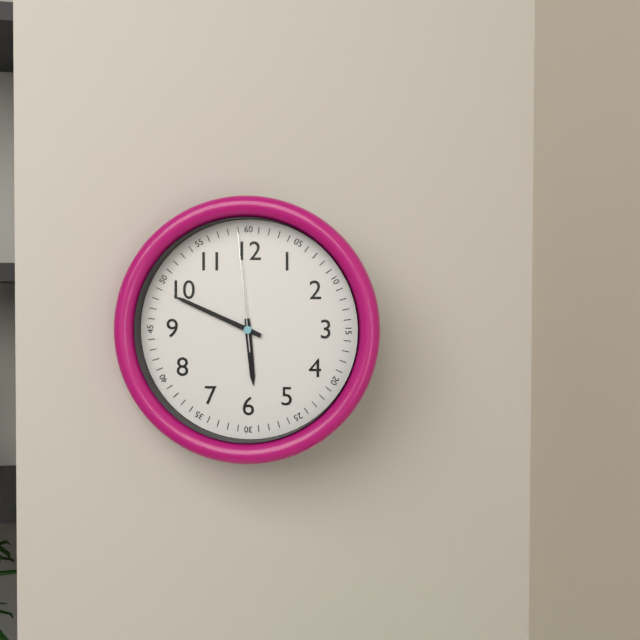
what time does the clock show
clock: 5:49:59
